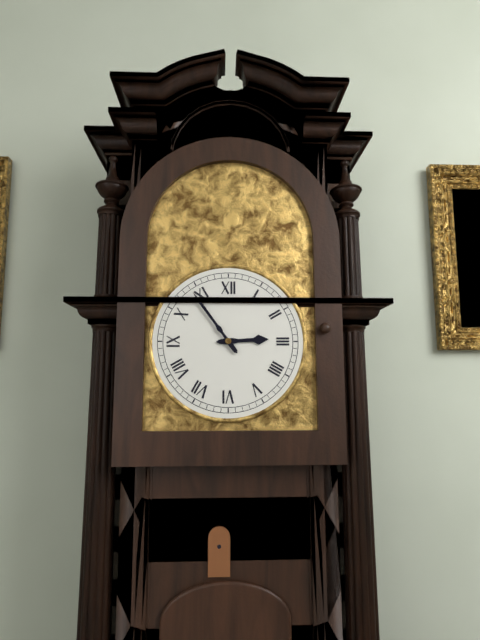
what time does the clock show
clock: 2:54
